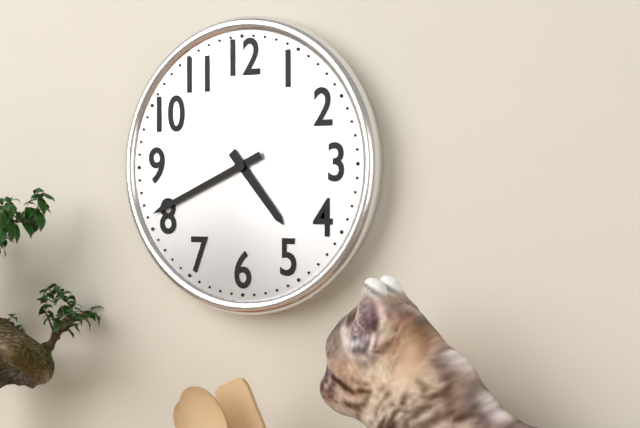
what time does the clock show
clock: 4:41
